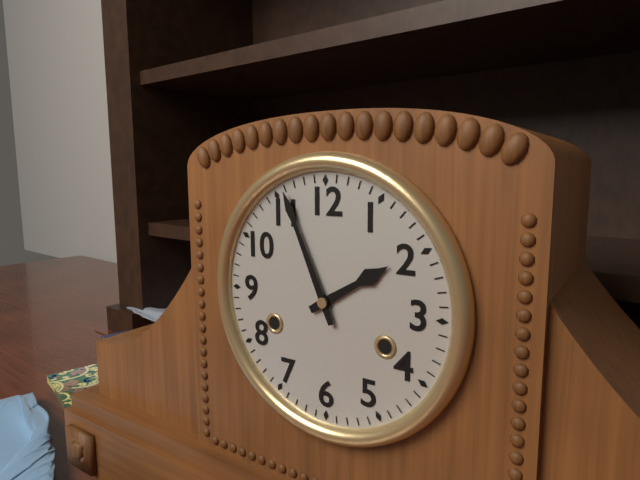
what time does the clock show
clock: 1:56
